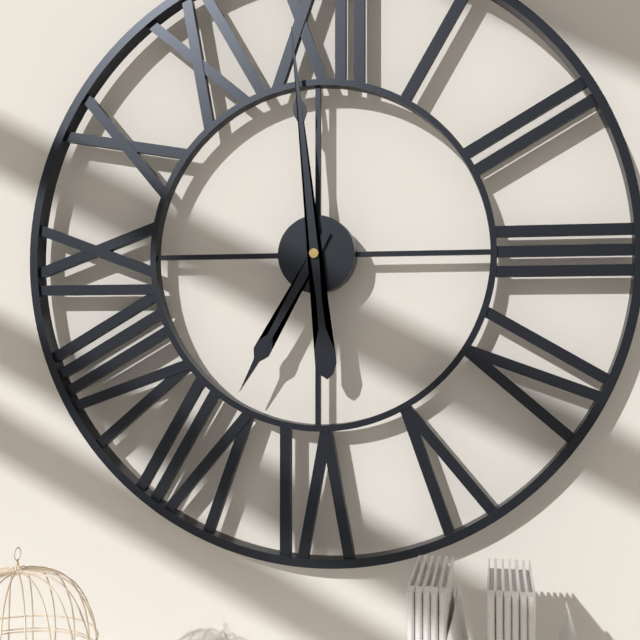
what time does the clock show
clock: 6:59
